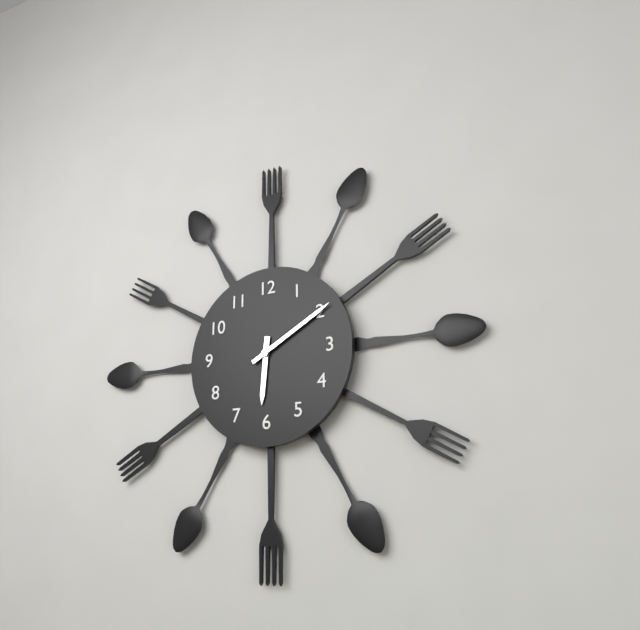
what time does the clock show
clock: 6:10
